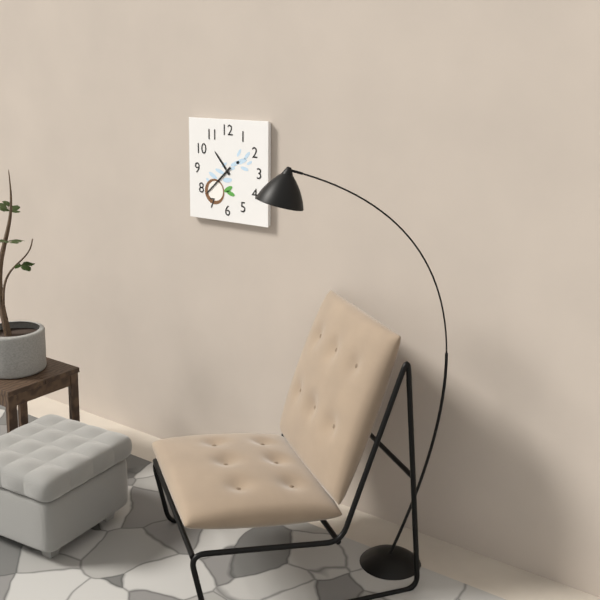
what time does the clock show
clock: 10:38
